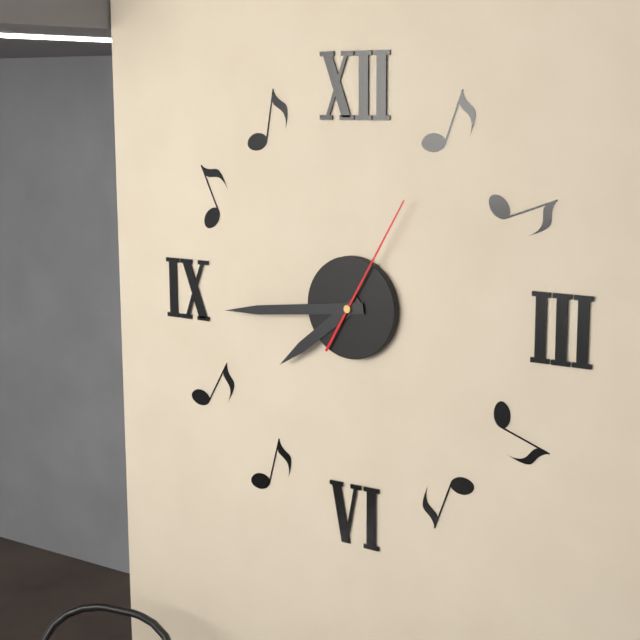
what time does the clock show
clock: 7:44:05
